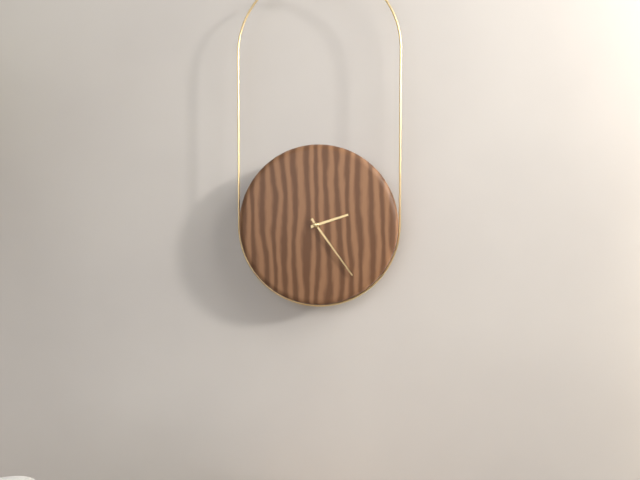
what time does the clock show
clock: 2:24
